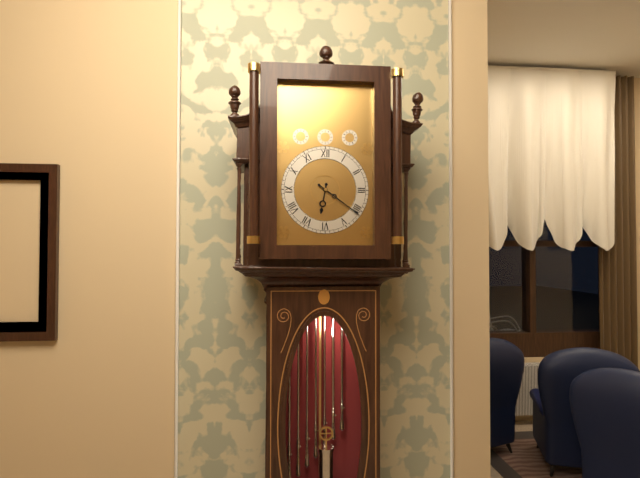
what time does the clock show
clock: 6:21
